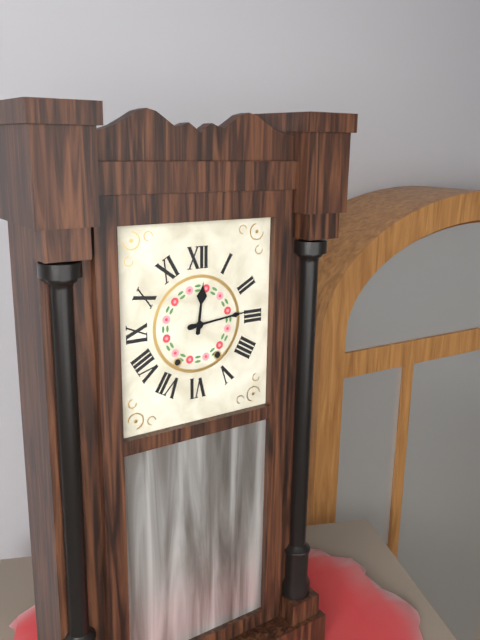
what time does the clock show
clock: 12:14
